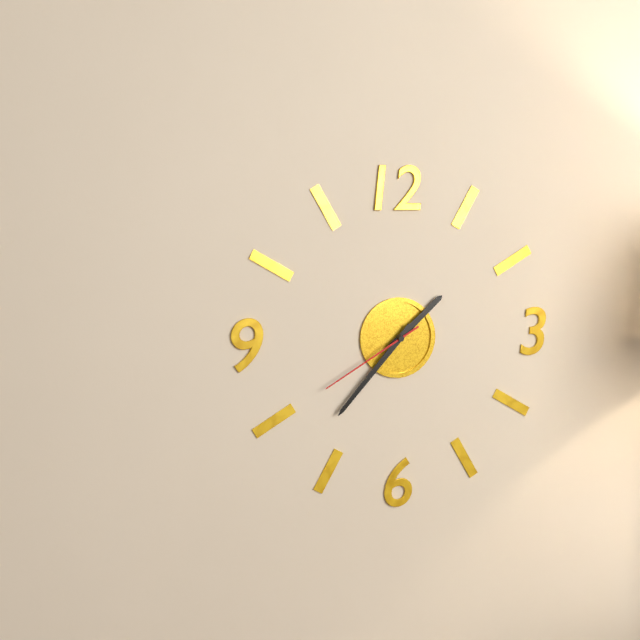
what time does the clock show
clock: 1:37:40
